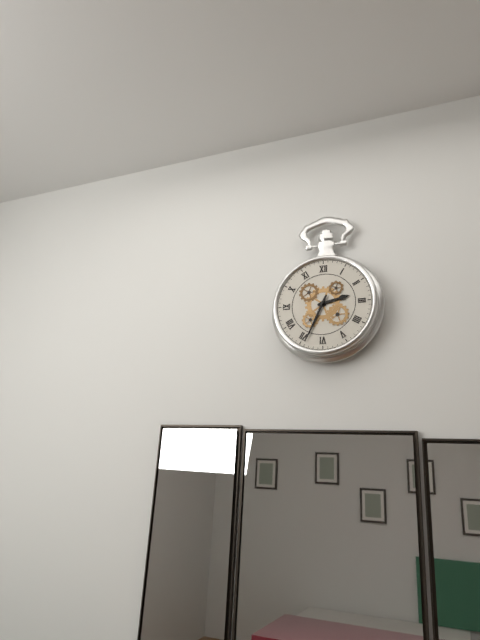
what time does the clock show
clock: 2:34
